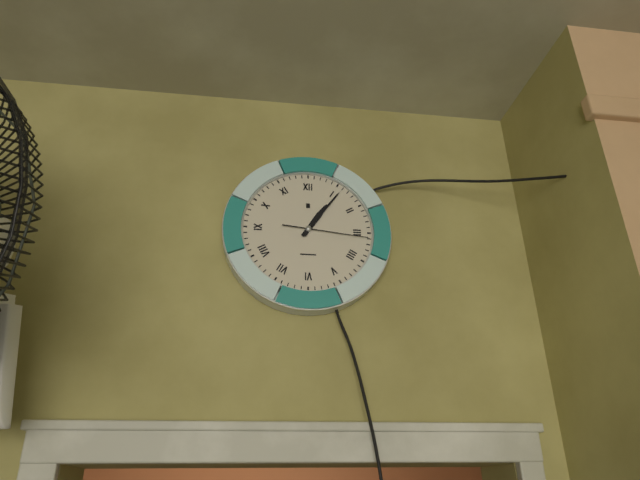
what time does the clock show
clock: 1:06:16
